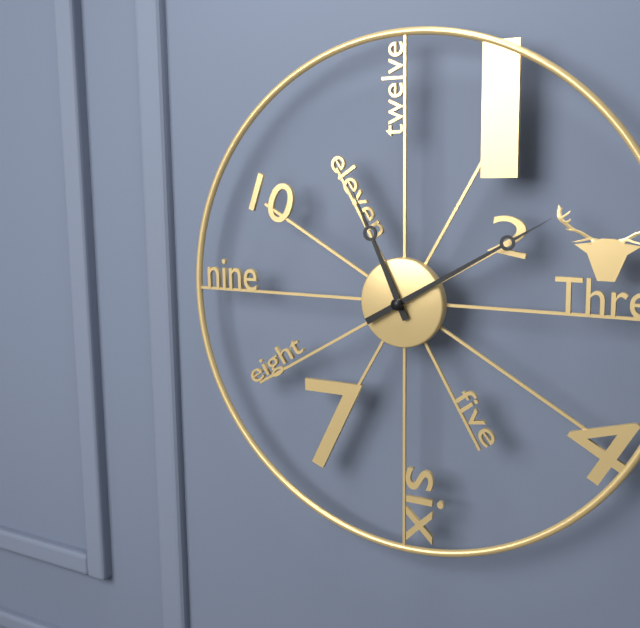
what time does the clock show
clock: 11:10
